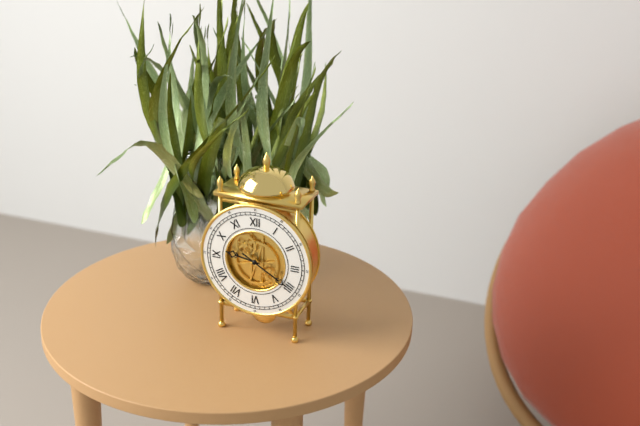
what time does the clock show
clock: 9:20
